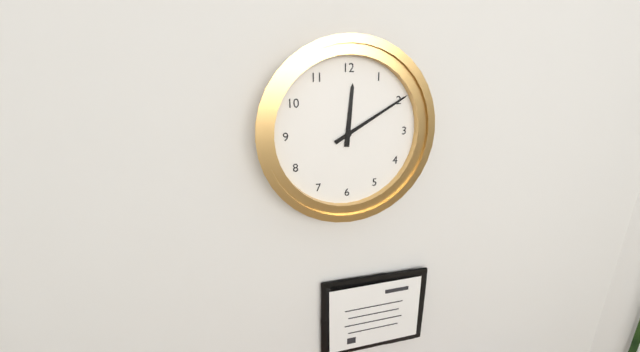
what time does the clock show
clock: 12:10
